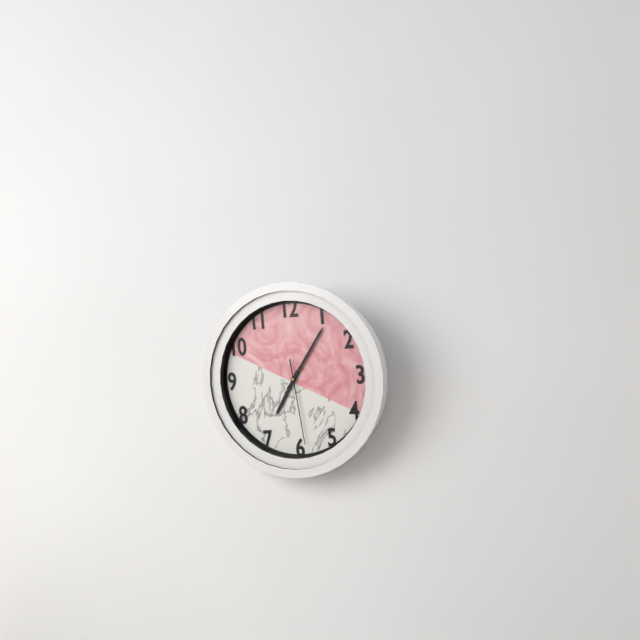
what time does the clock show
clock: 7:06:29
